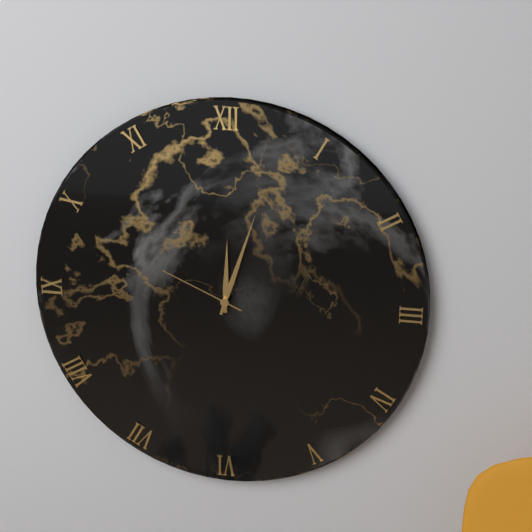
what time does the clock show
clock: 12:03:49
